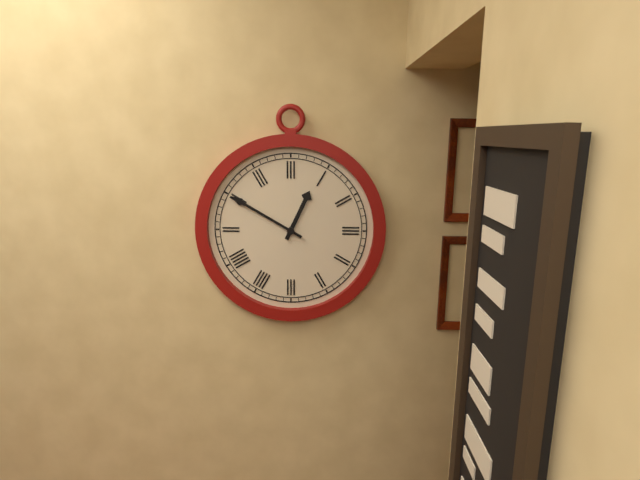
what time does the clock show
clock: 12:50
